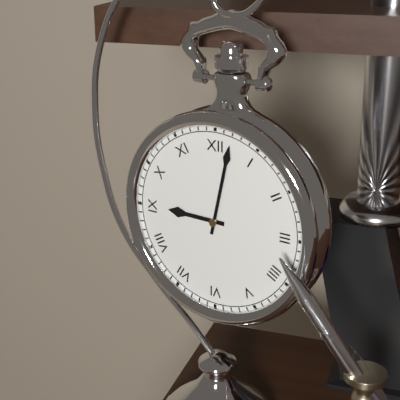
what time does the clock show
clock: 9:02
